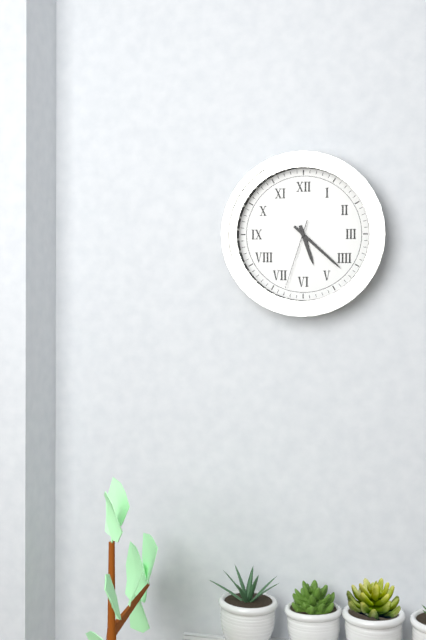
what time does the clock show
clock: 5:22:33
